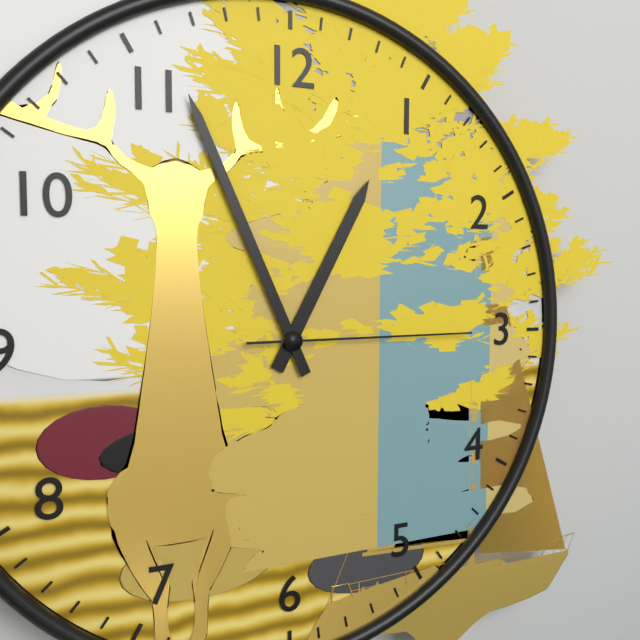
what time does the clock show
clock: 12:56:15
